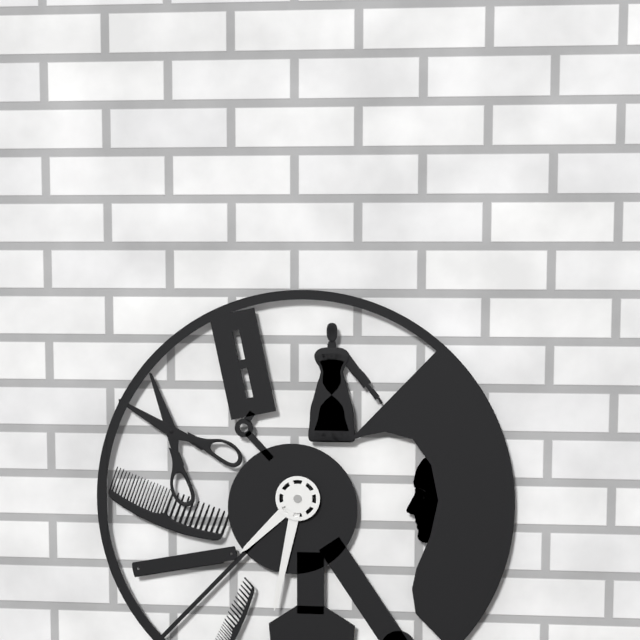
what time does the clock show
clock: 7:32
